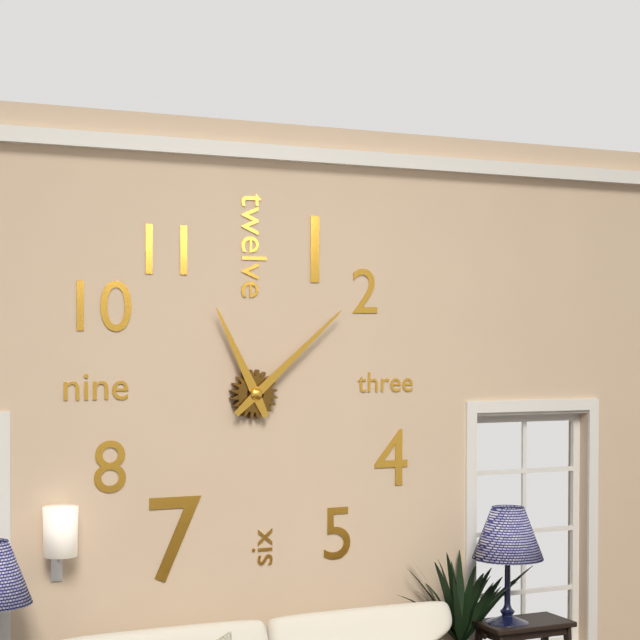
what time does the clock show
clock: 11:08
